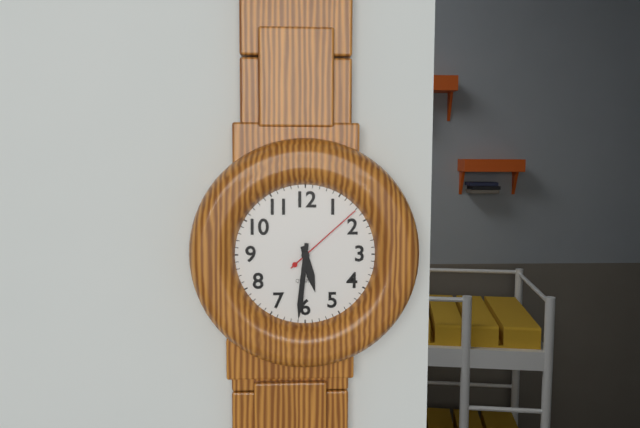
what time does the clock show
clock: 5:31:08
